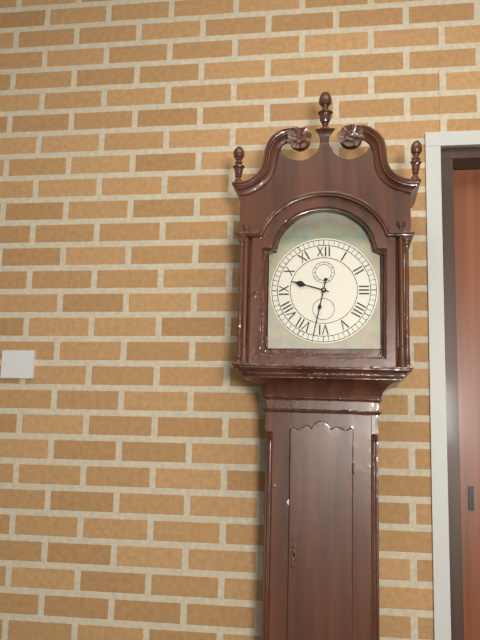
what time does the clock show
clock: 9:32
